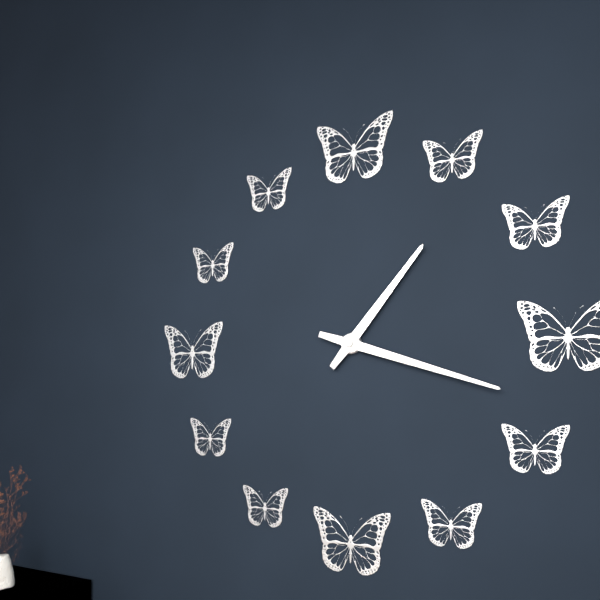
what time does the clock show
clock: 1:18
